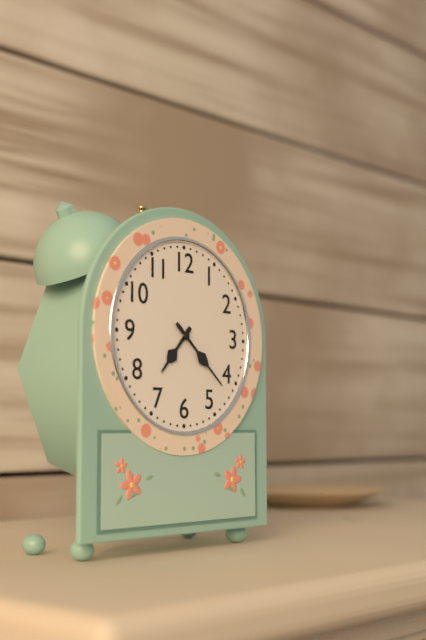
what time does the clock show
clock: 7:22
